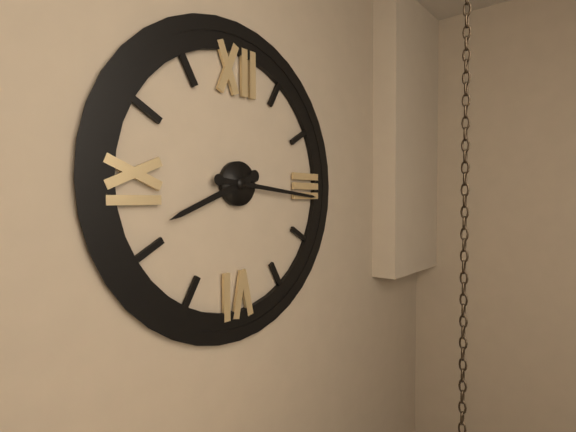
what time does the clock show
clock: 8:16
